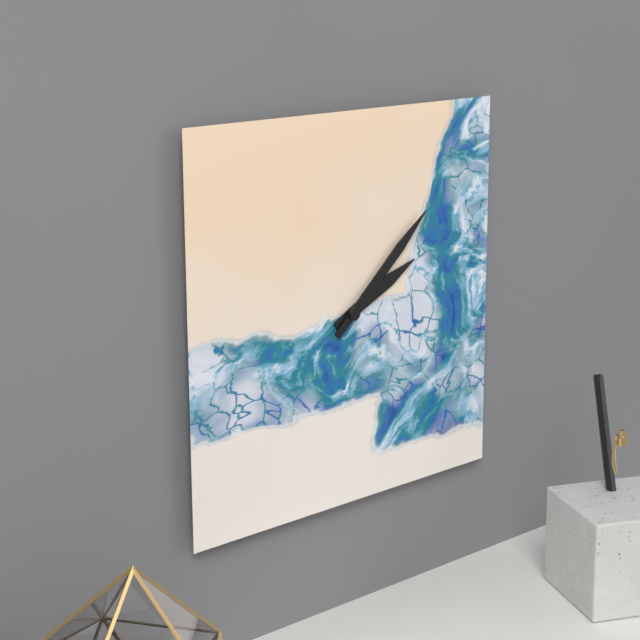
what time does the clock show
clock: 2:08
